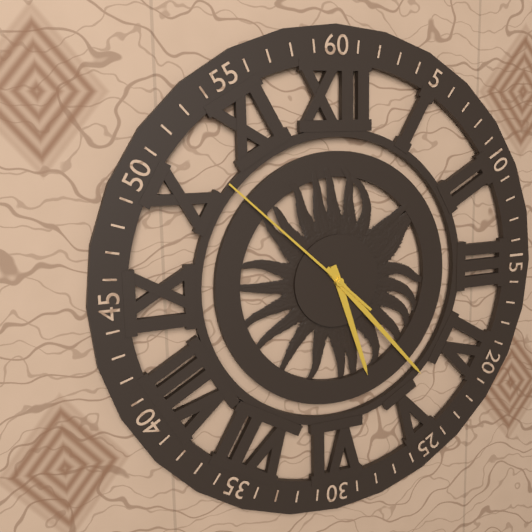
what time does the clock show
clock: 5:23:52
